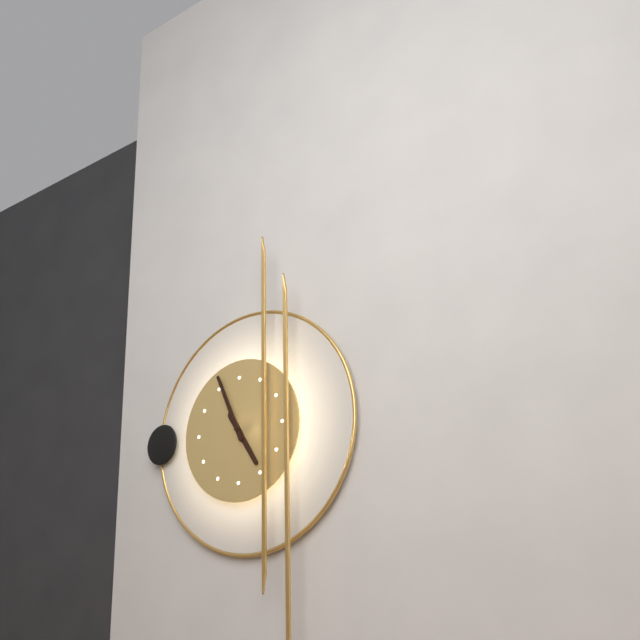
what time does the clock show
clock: 4:56
